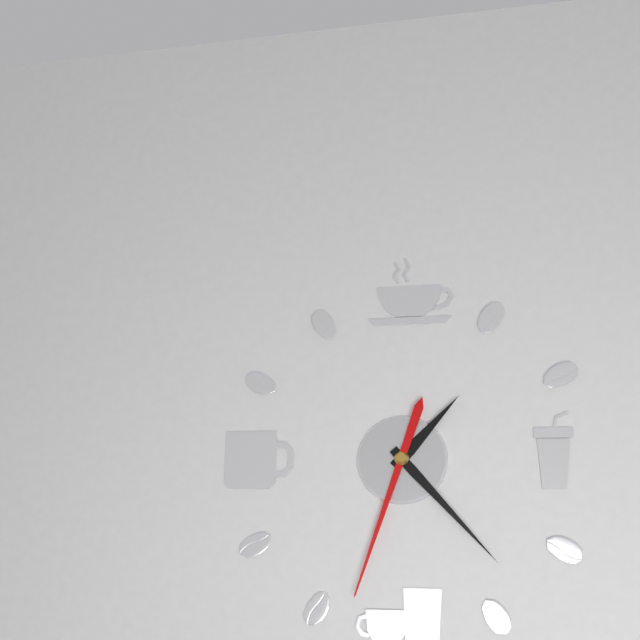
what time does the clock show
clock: 1:23:33
